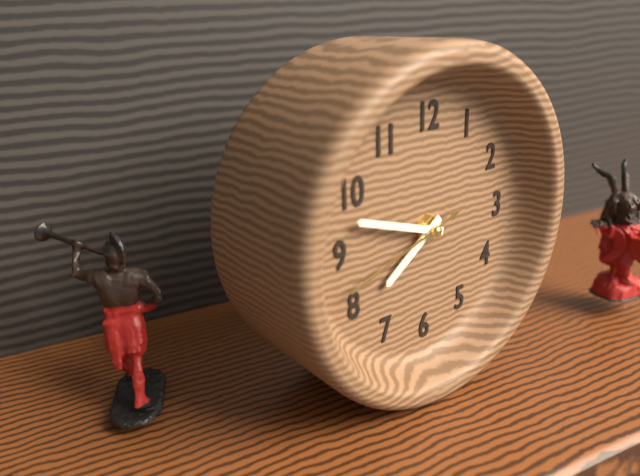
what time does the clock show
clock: 7:48:42
